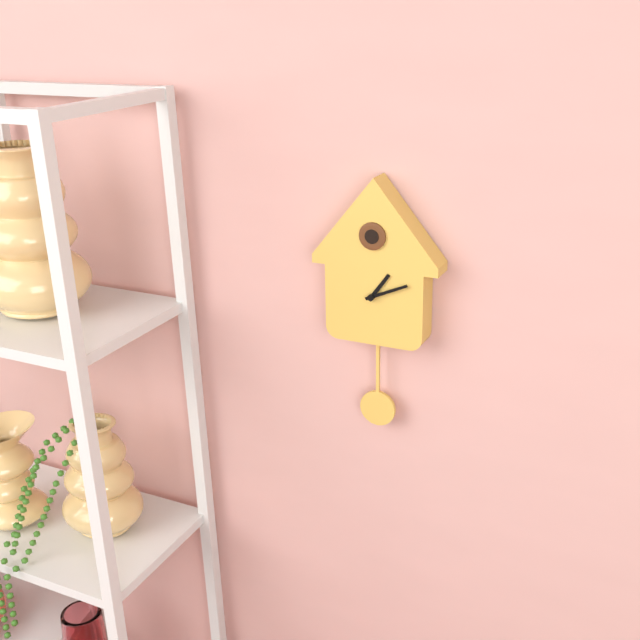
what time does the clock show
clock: 1:11
